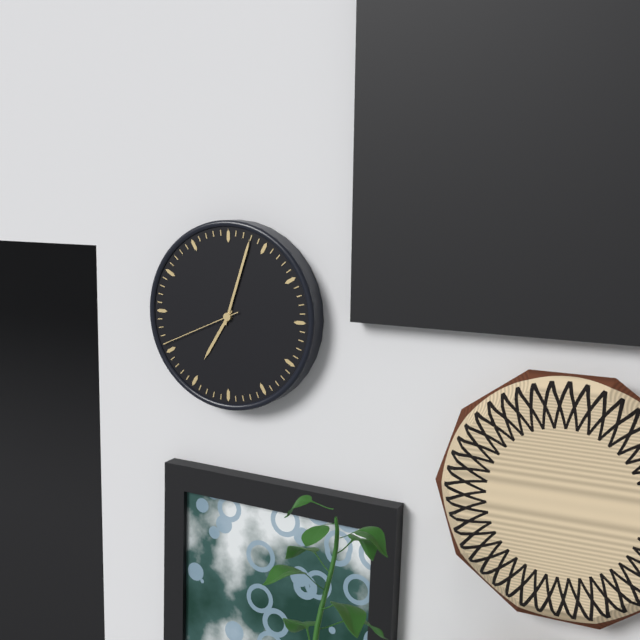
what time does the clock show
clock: 7:03:41
